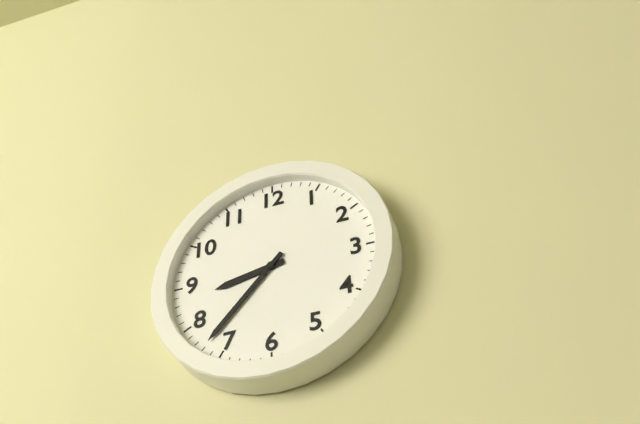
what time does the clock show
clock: 8:37
